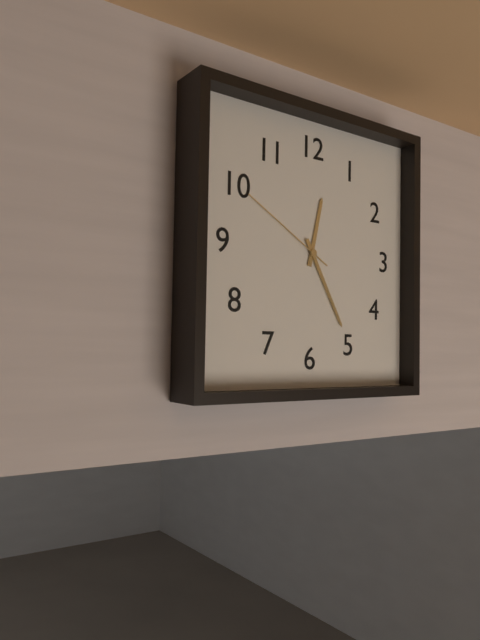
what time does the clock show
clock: 12:25:50
